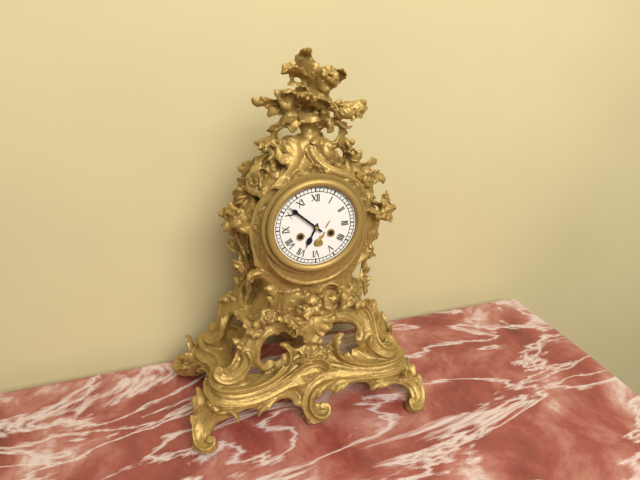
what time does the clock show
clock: 6:52
